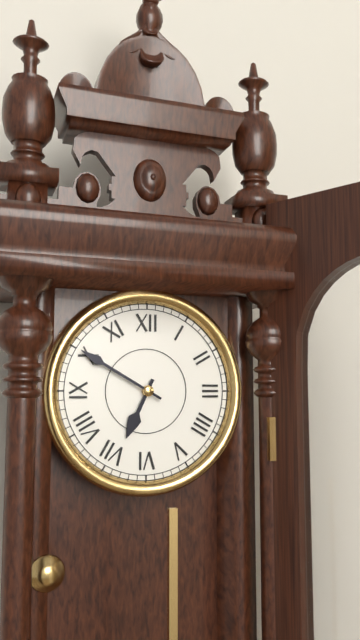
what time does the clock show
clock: 6:50
